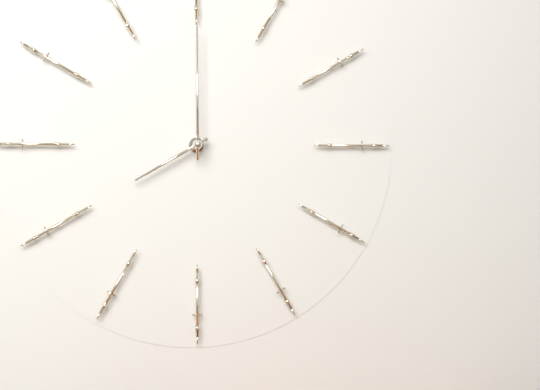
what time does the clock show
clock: 8:00
